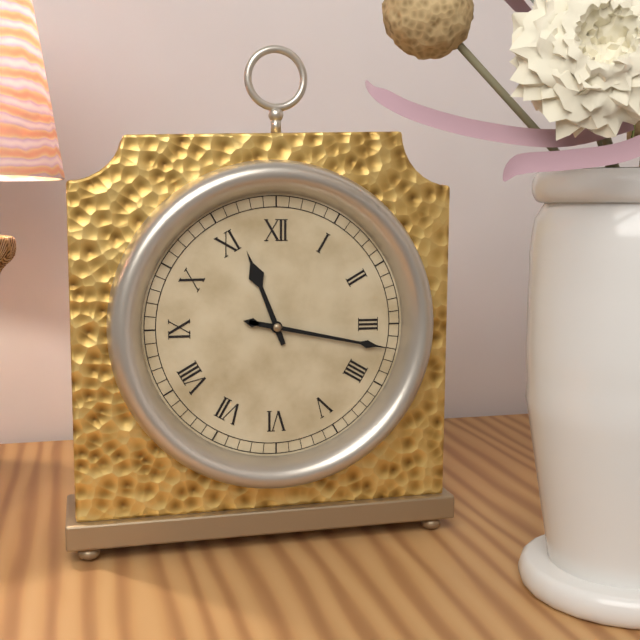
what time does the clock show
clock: 11:17
